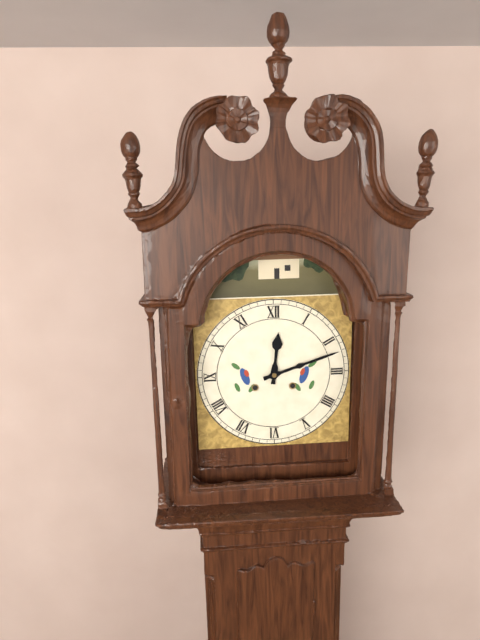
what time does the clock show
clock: 12:12
